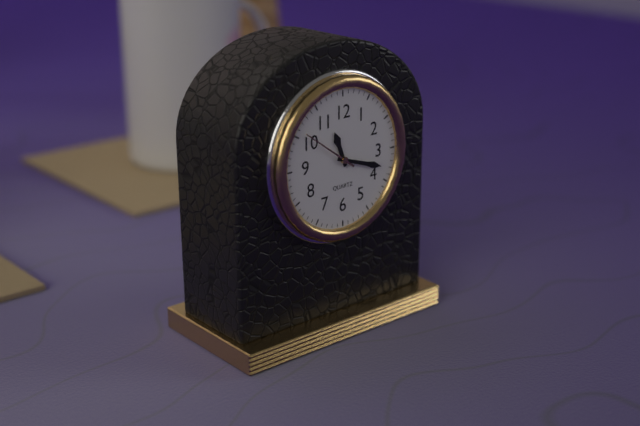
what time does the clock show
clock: 11:18:51
